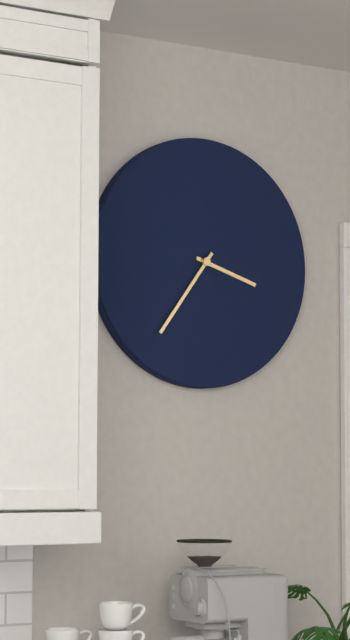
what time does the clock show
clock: 3:36
